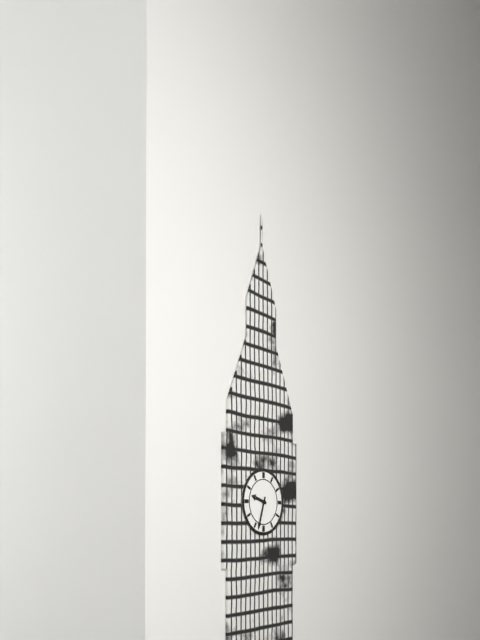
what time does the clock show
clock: 9:33
